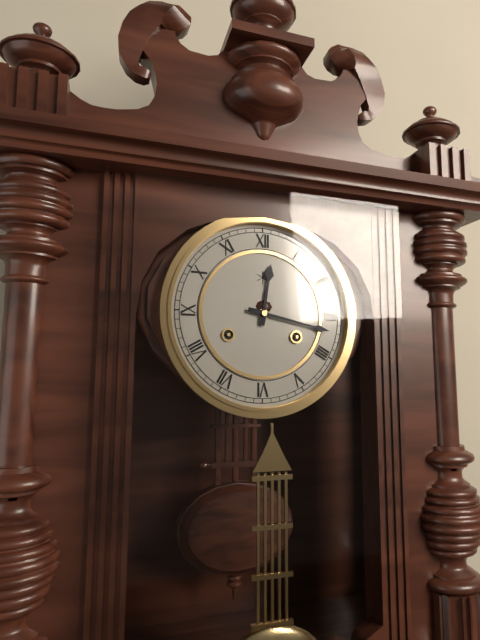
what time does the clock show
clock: 12:17
